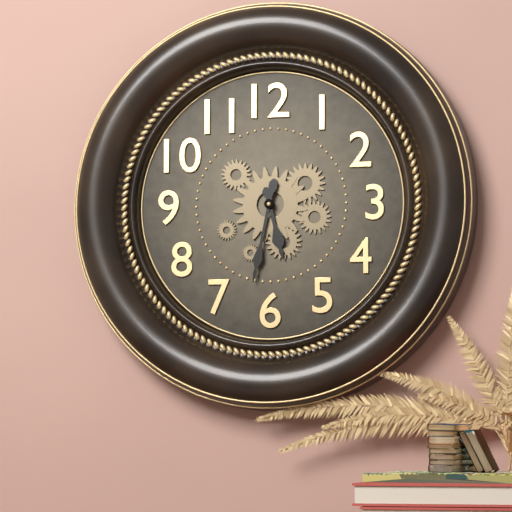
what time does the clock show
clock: 5:32
